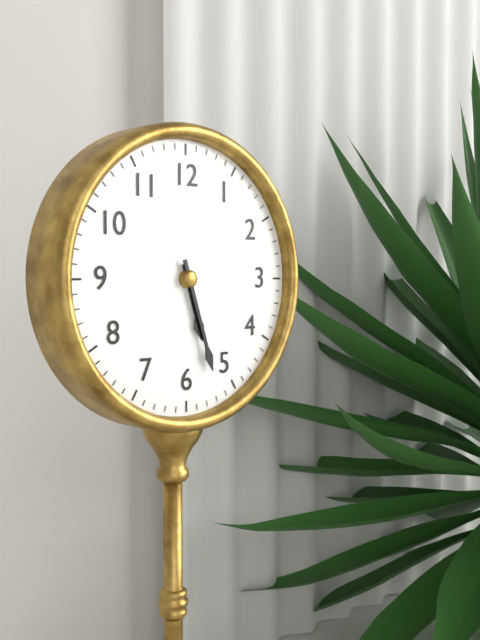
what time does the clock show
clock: 5:27
